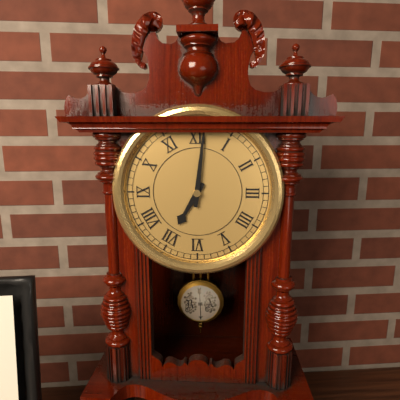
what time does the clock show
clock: 7:01
